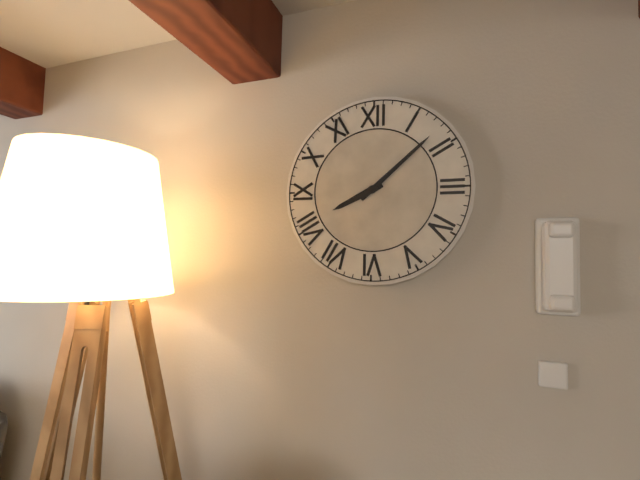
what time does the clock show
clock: 8:08
